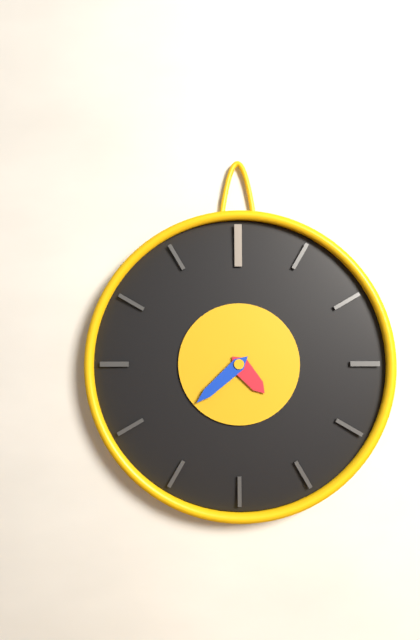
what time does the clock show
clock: 4:38
